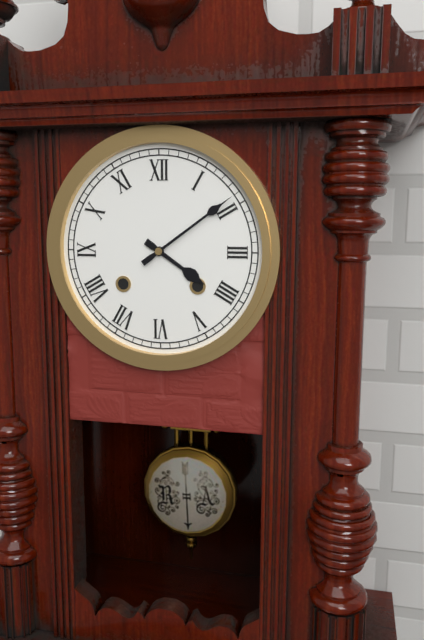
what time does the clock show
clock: 4:09
